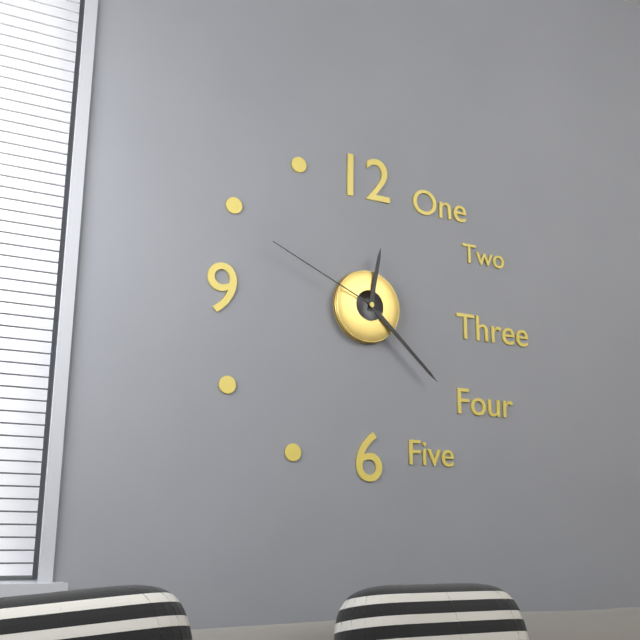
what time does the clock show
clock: 12:22:49
